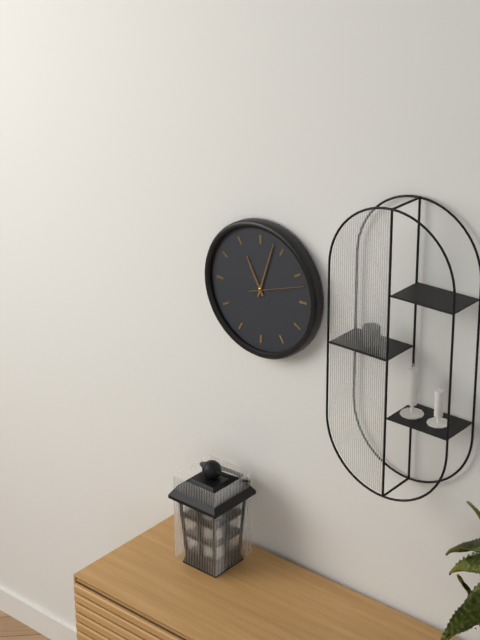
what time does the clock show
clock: 11:03
